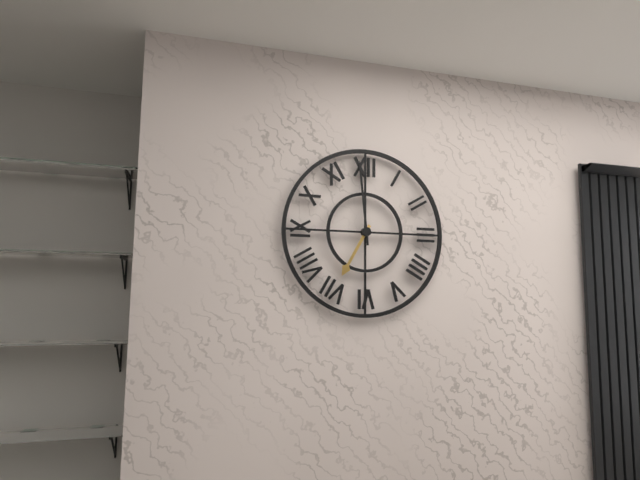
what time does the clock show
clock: 6:59
